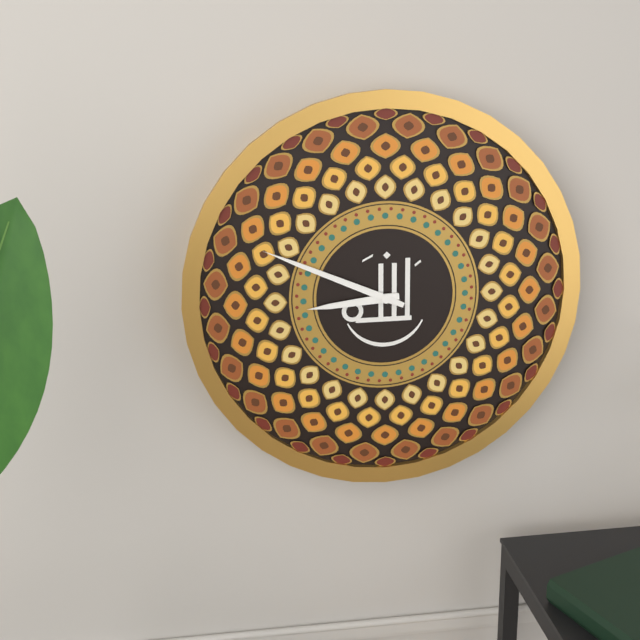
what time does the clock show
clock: 8:49
